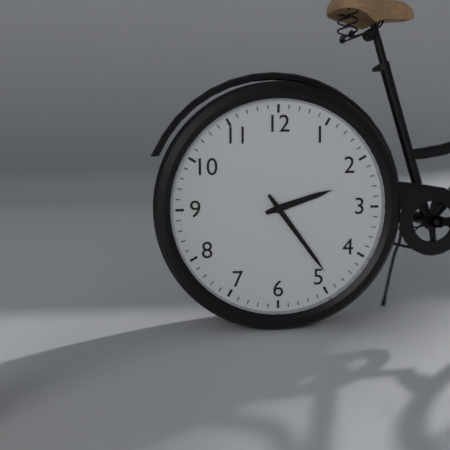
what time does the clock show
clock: 2:24
